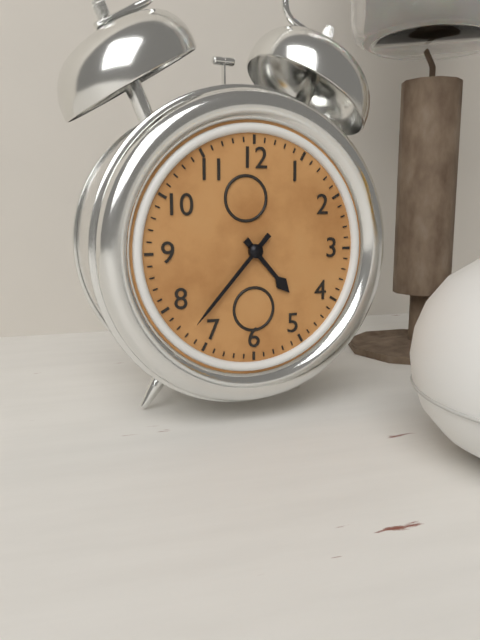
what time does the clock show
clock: 4:37
